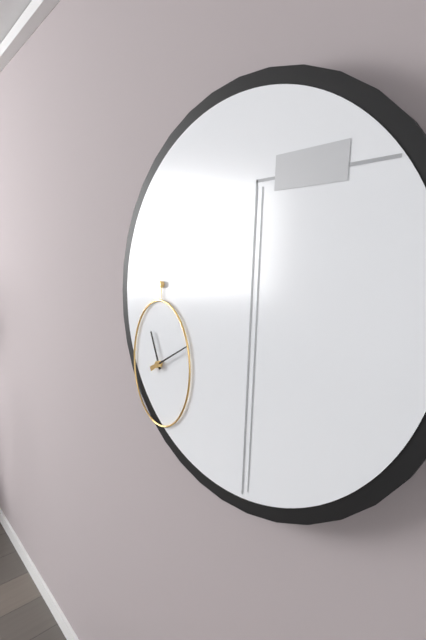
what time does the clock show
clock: 11:10
